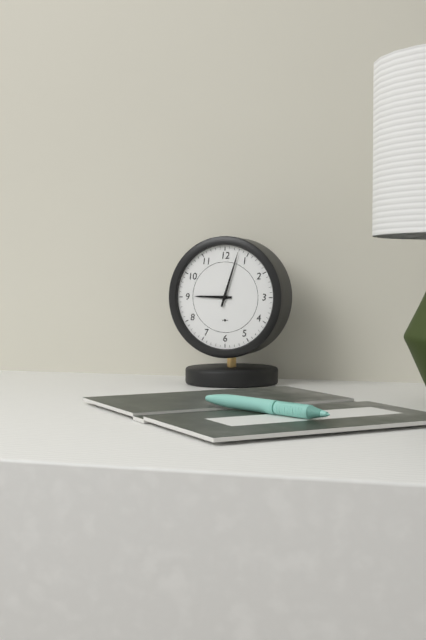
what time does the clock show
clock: 9:03
